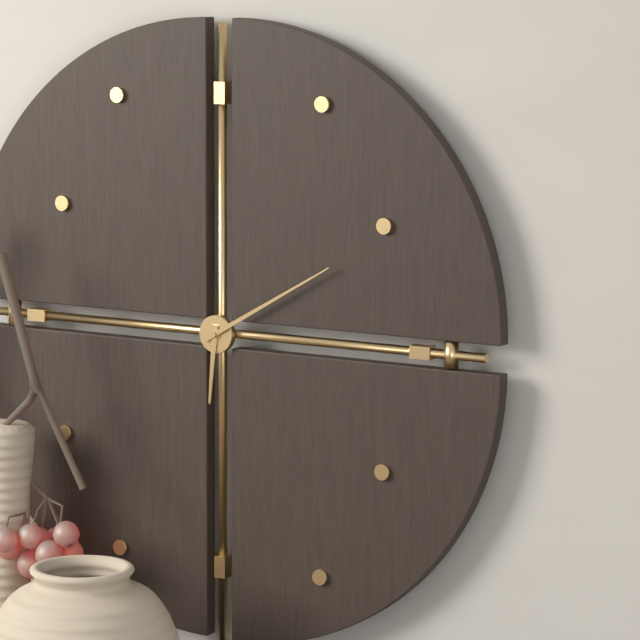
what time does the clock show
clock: 6:10
